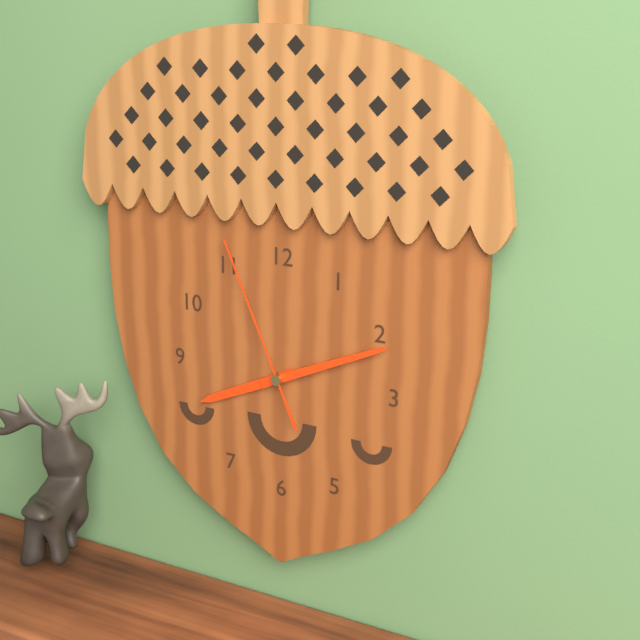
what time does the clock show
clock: 8:11:56
